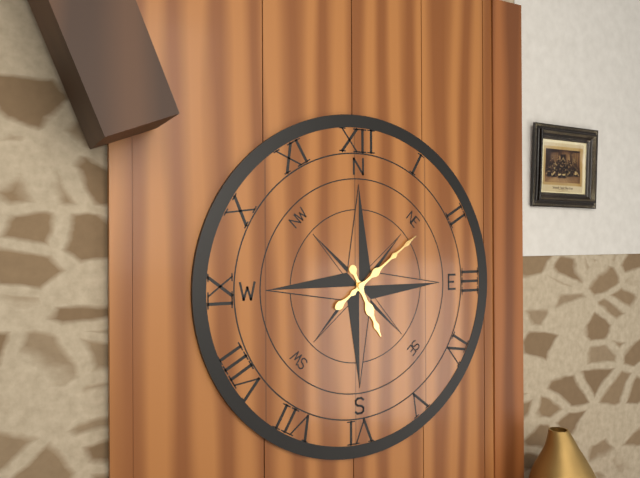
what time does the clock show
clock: 5:09
